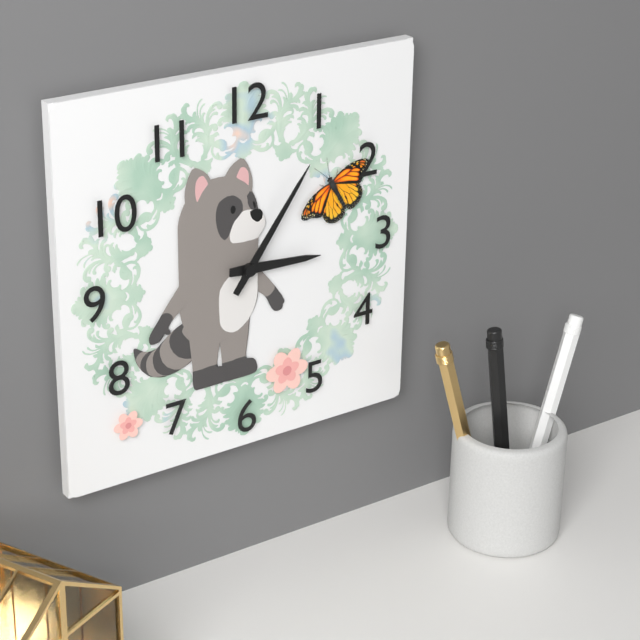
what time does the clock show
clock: 3:06
